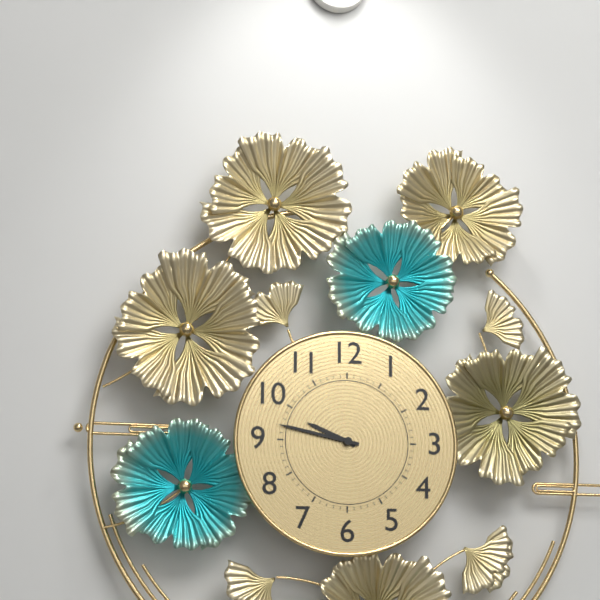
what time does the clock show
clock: 9:47
